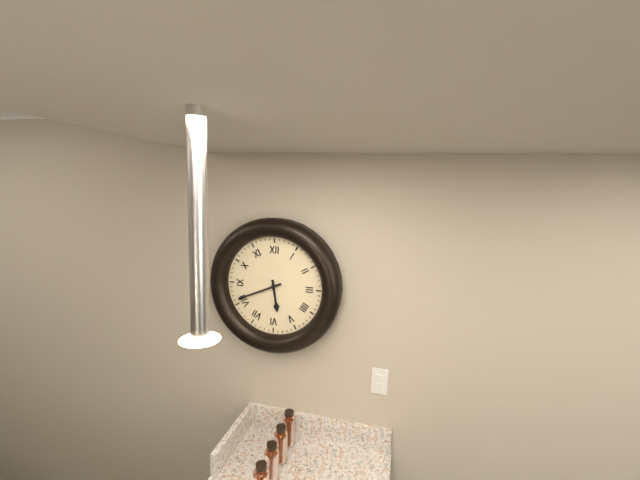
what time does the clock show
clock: 5:41
